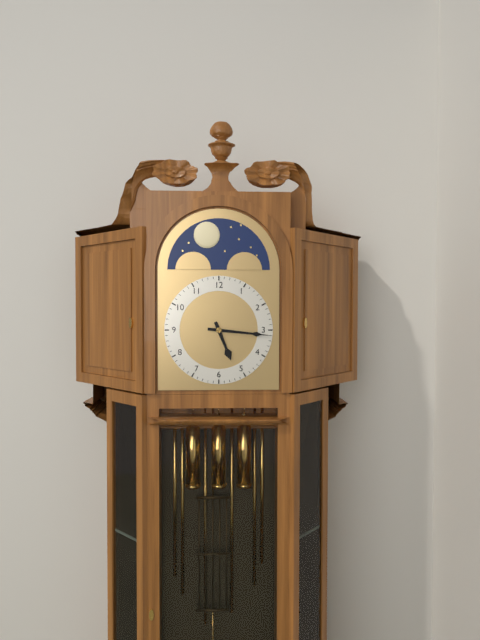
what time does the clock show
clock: 5:16
